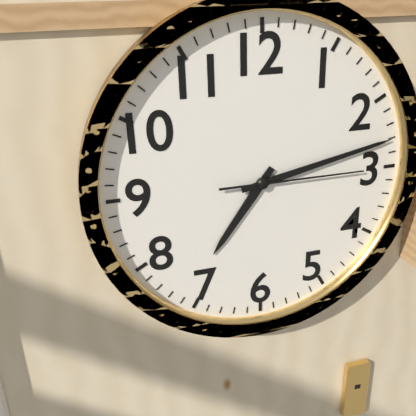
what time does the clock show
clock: 7:13:15
